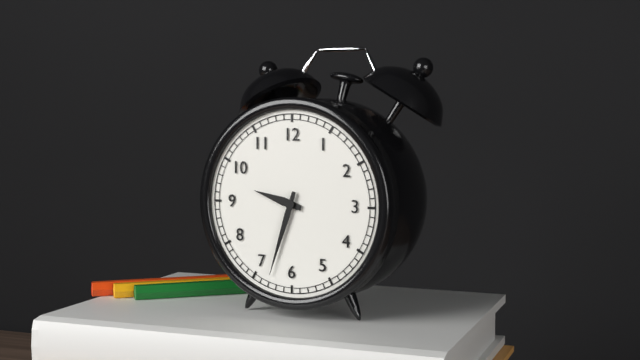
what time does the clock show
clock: 9:33
